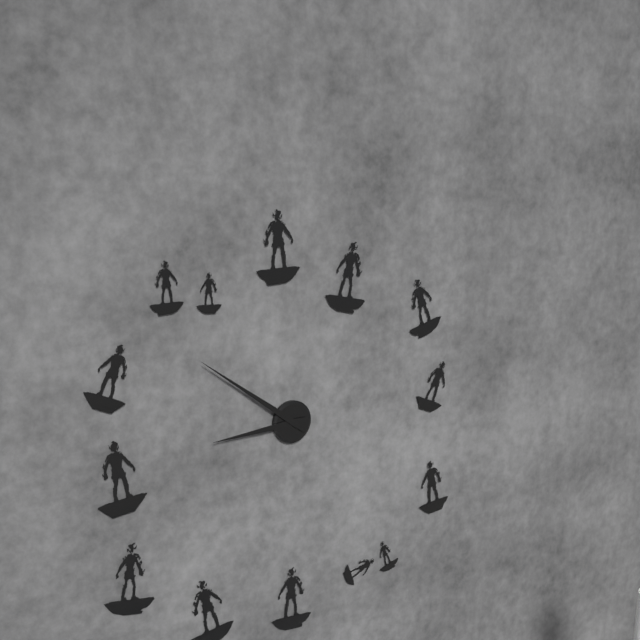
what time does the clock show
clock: 8:51
